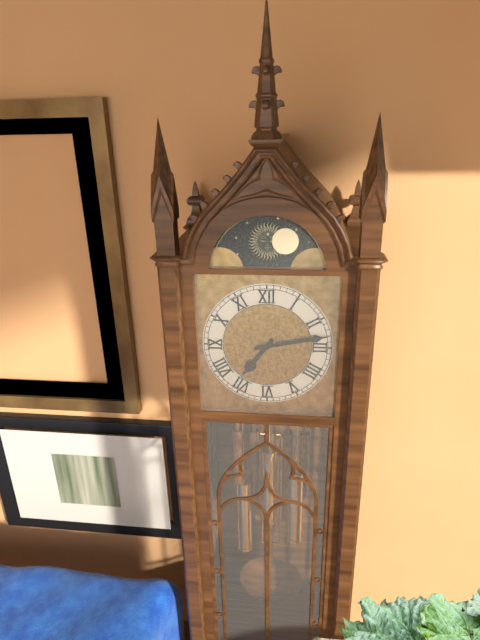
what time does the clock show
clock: 7:13
